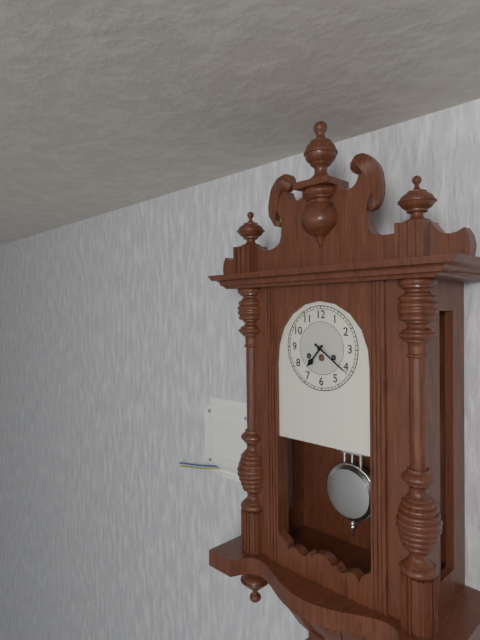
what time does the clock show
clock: 7:21
